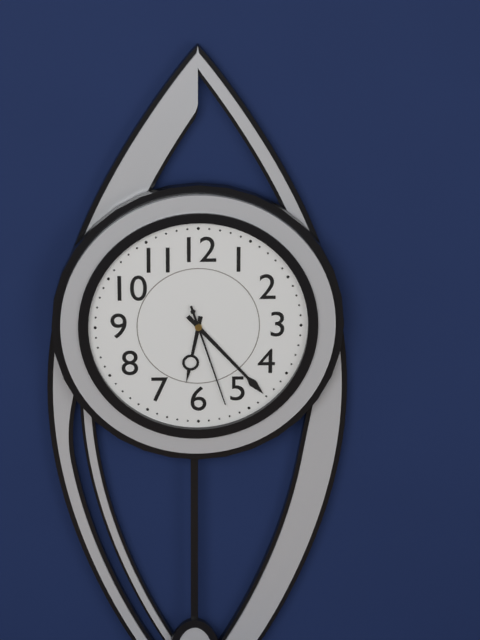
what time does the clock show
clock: 6:23:27
